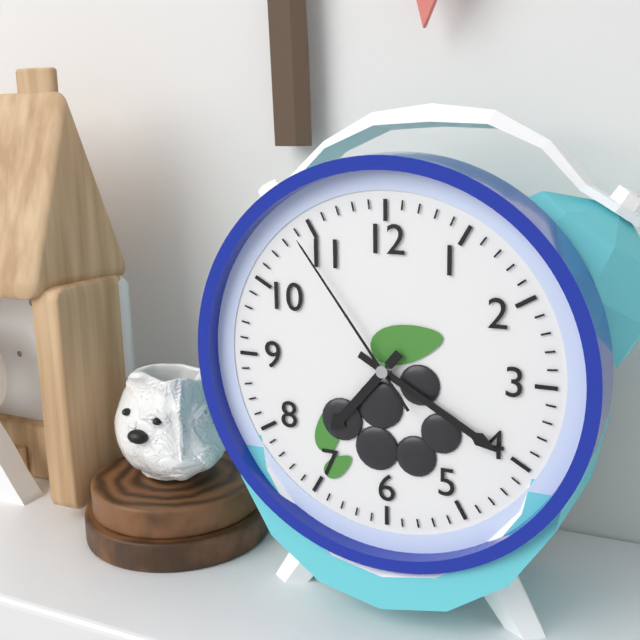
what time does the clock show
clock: 7:20:54
